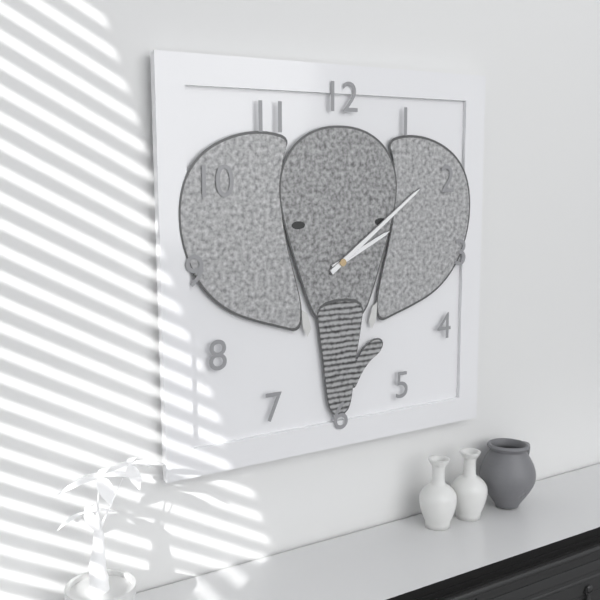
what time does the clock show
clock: 2:09
